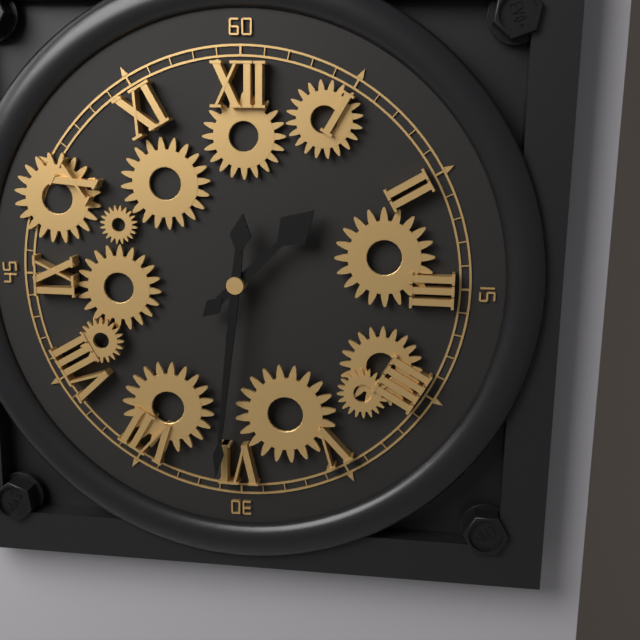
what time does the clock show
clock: 1:31
